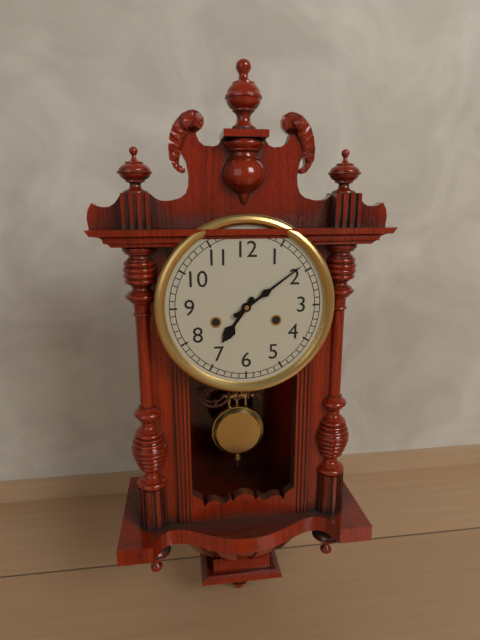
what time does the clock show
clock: 7:09
